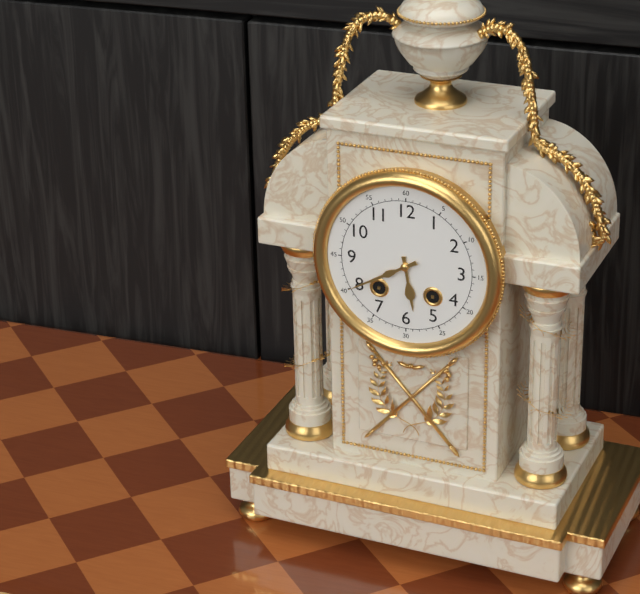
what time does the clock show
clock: 5:40
